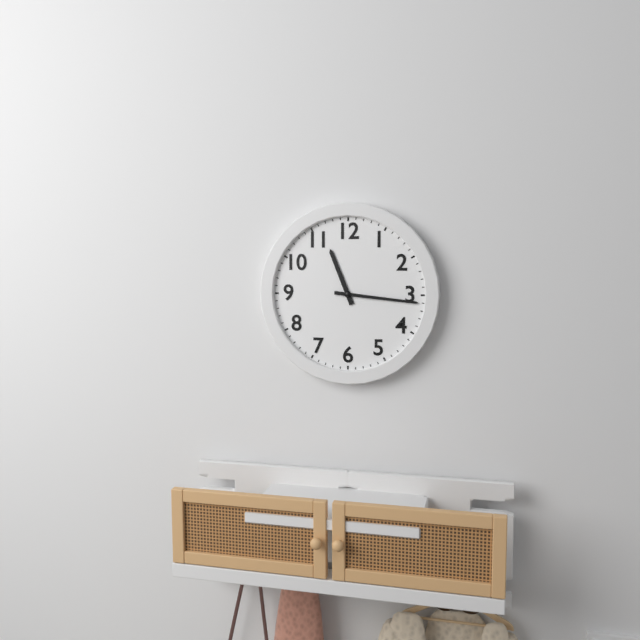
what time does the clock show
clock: 11:16
